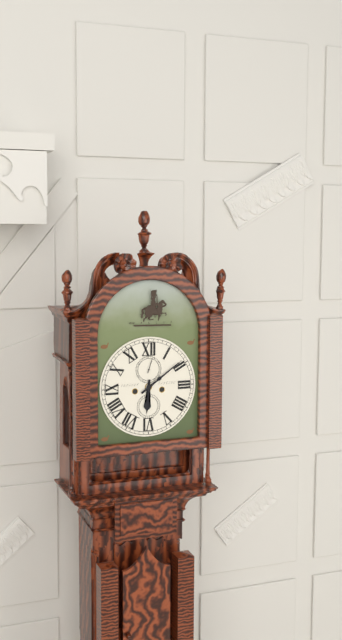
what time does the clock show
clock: 6:09
